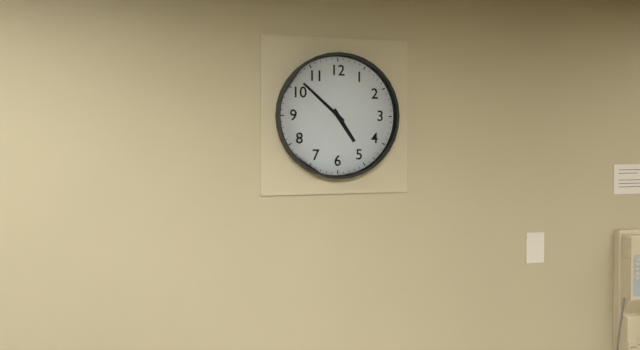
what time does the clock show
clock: 4:52
